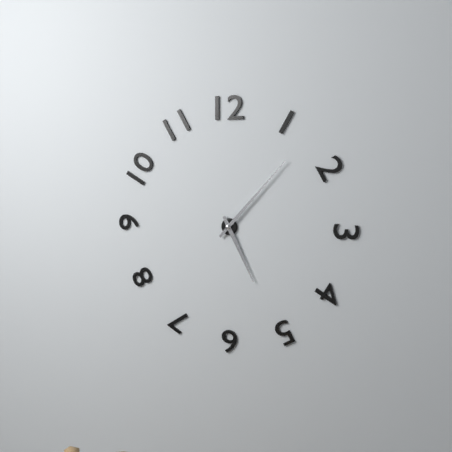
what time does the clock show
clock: 5:07
